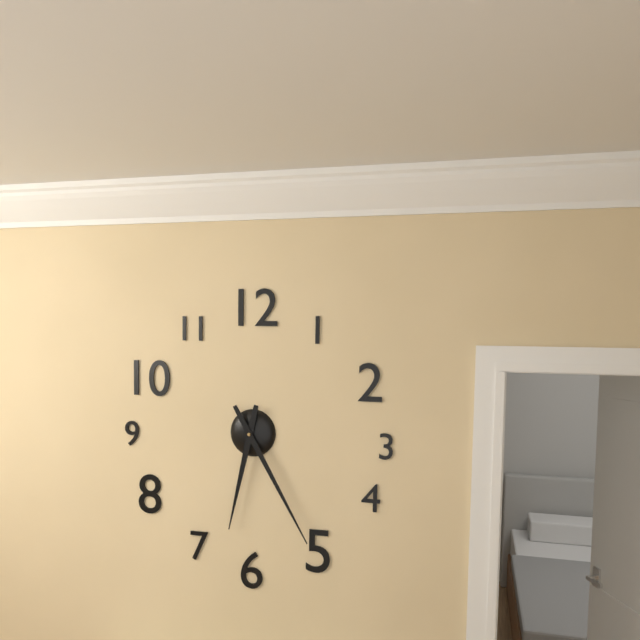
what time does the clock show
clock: 6:25
